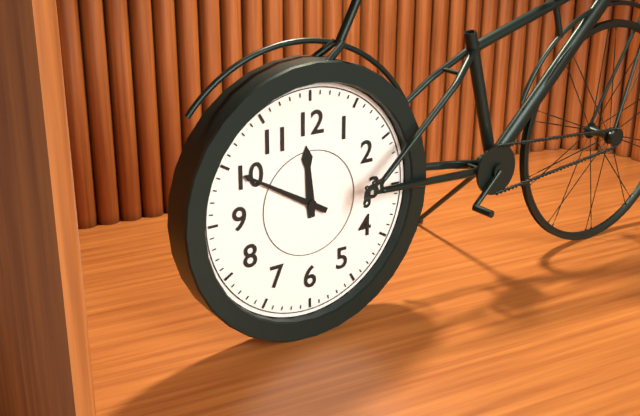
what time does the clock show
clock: 11:50
